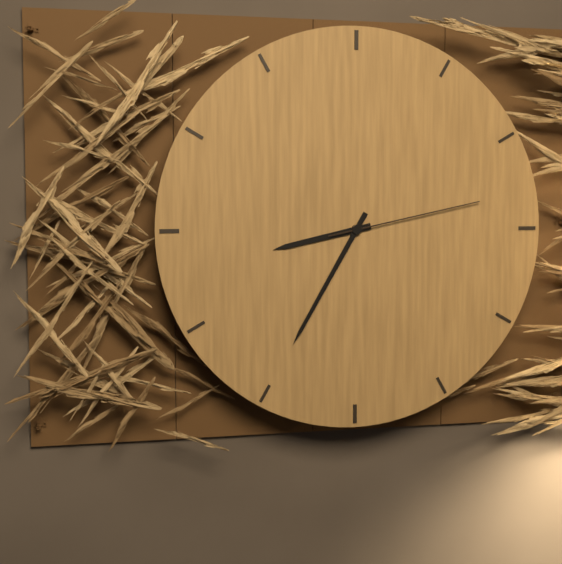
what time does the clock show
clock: 8:35:13
